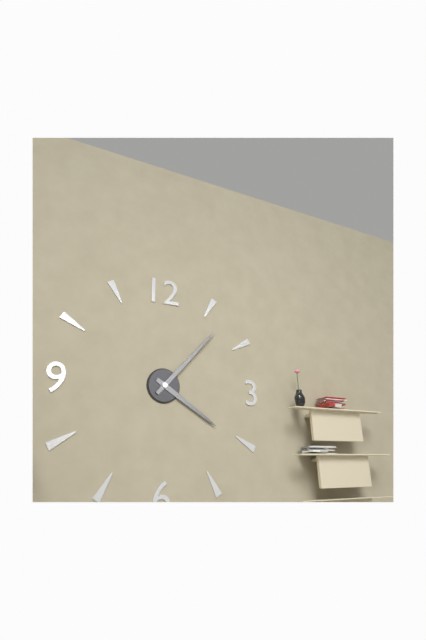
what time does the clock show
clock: 4:07
